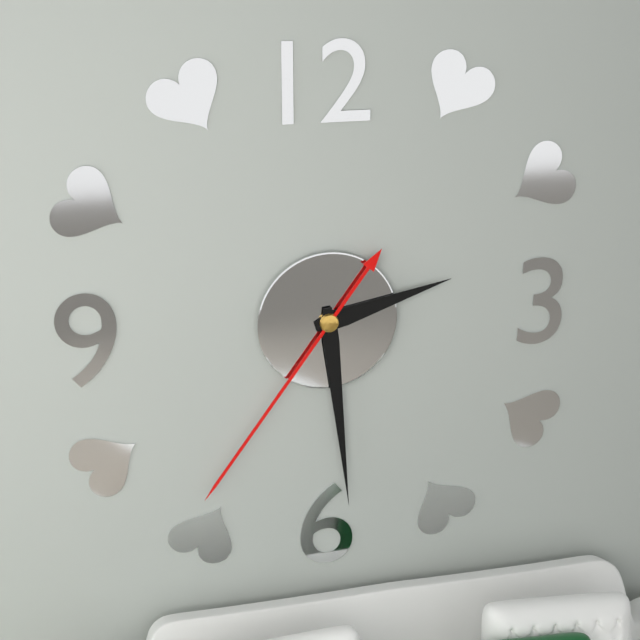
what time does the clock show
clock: 2:29:36
